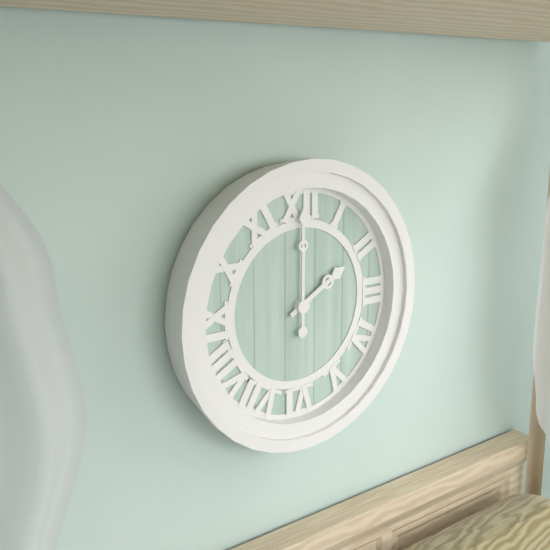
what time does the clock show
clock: 2:00
